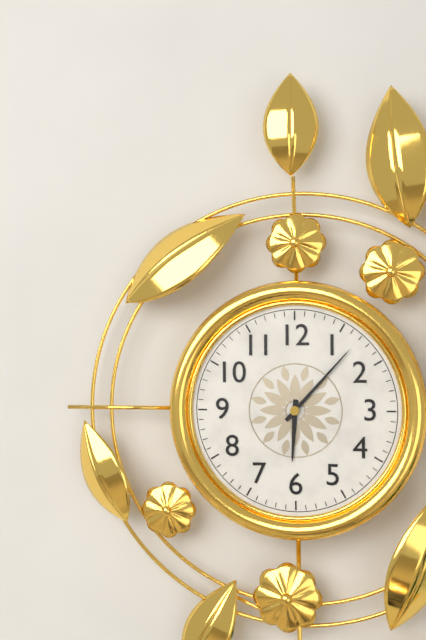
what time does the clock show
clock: 6:07
